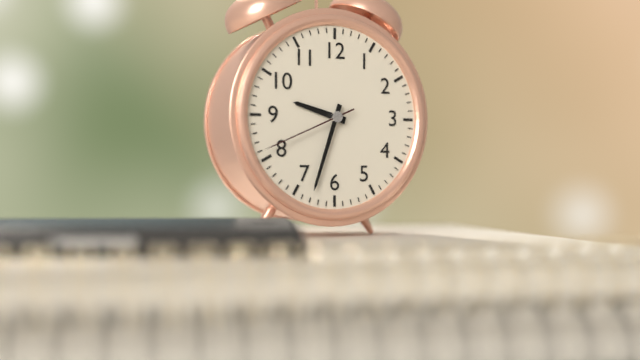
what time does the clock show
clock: 9:33:41
